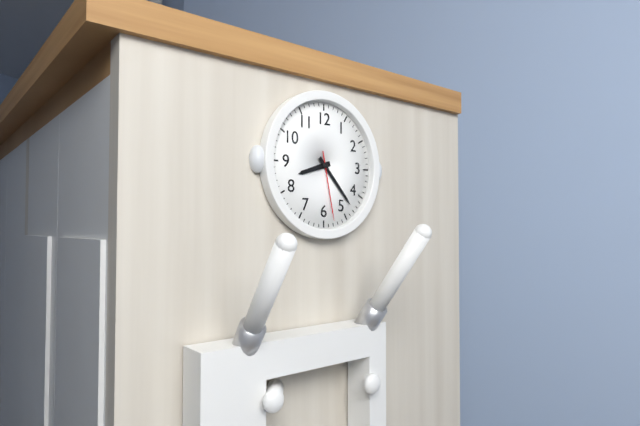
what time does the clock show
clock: 8:23:28
